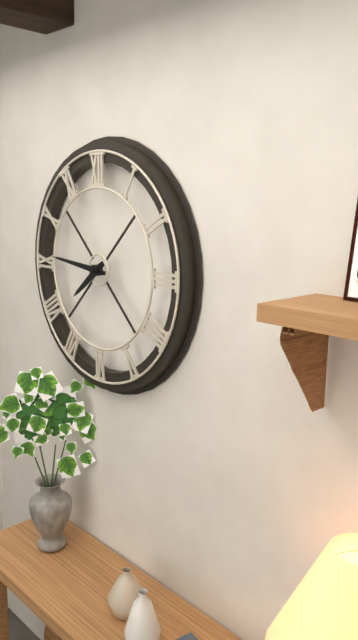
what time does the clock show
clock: 7:46
